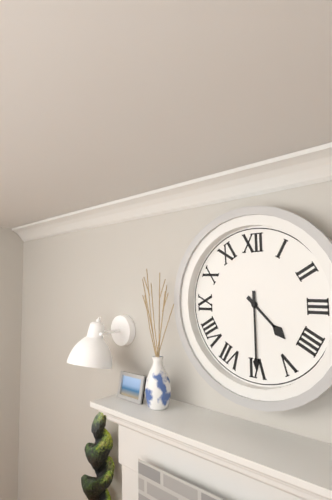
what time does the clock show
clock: 4:30
